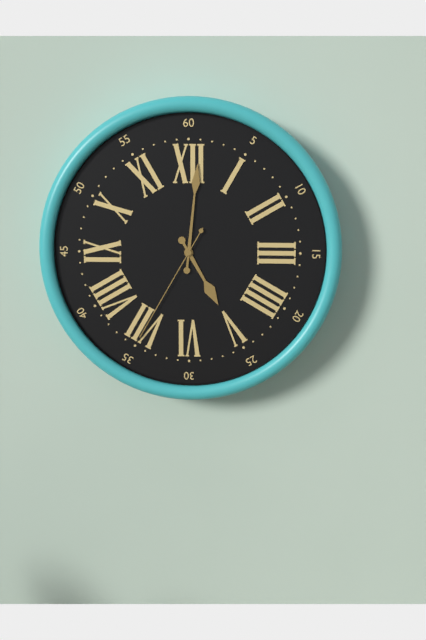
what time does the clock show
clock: 5:01:35
